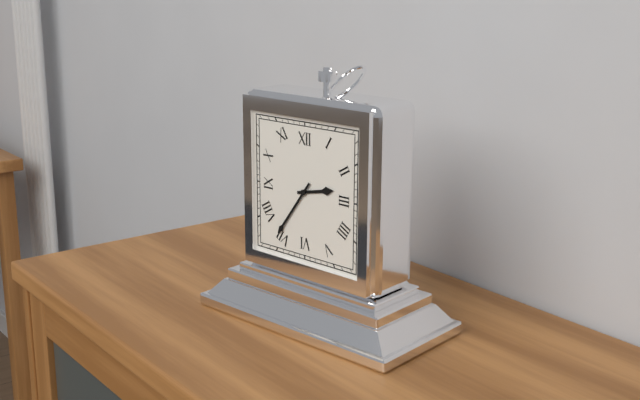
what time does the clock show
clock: 2:36
